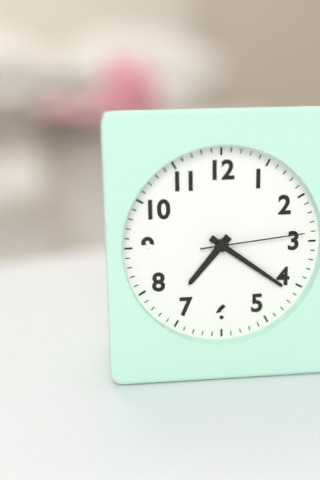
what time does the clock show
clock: 7:21:14
